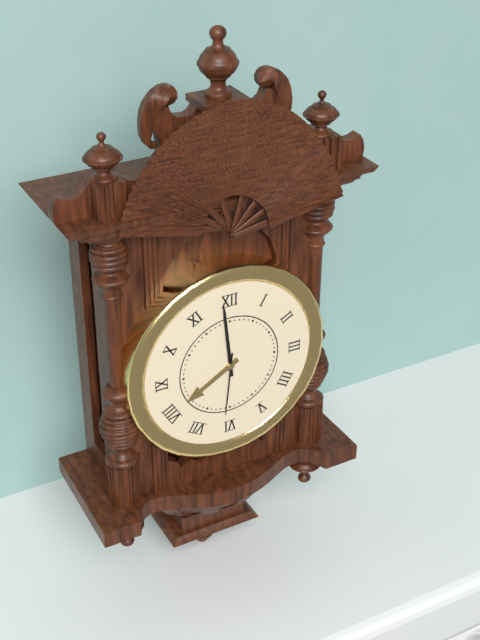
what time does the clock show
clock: 7:59:31
